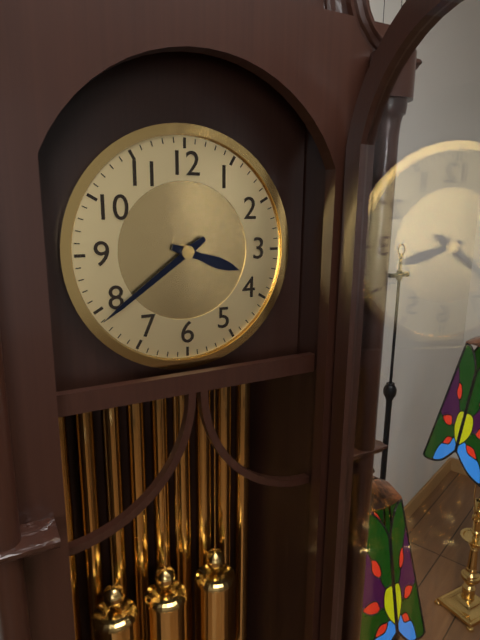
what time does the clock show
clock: 3:39
